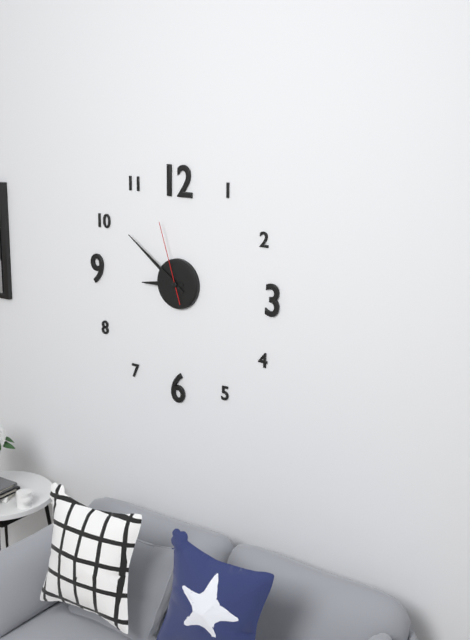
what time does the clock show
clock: 8:51:57
